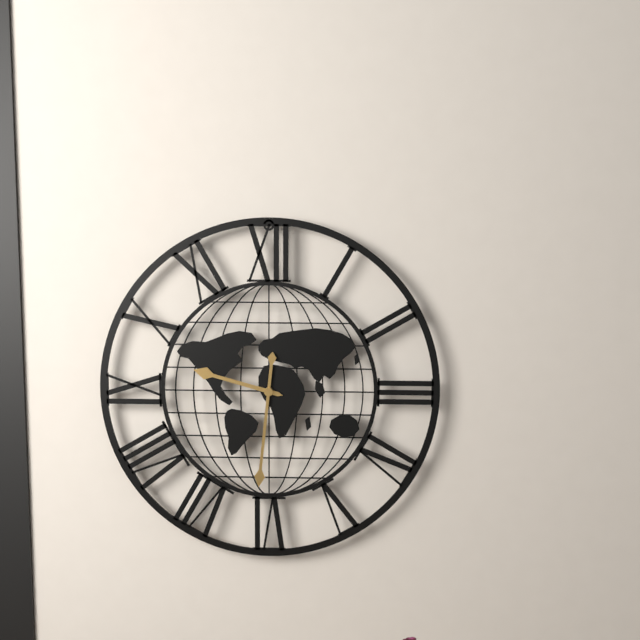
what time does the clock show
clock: 9:31
